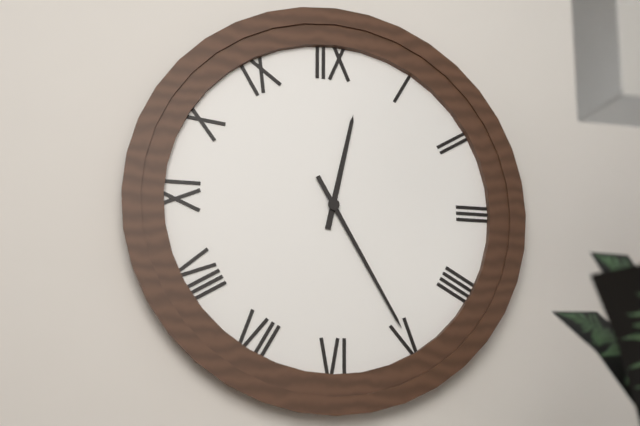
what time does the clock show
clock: 12:25
